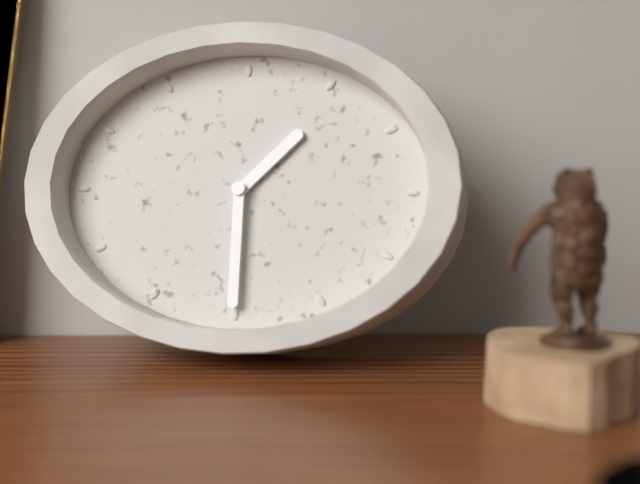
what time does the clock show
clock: 1:30
